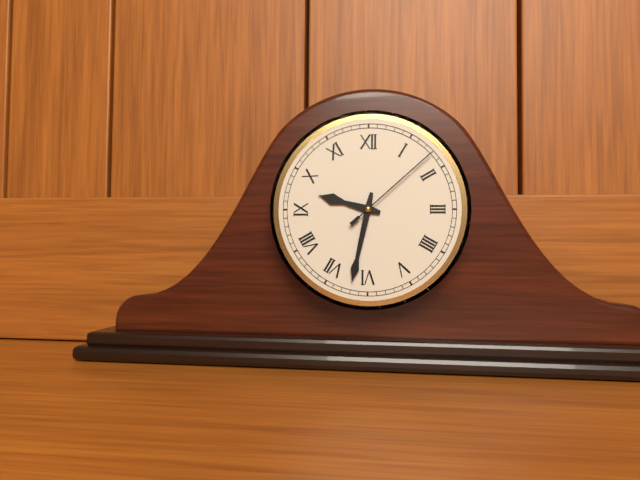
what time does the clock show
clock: 9:32:08
